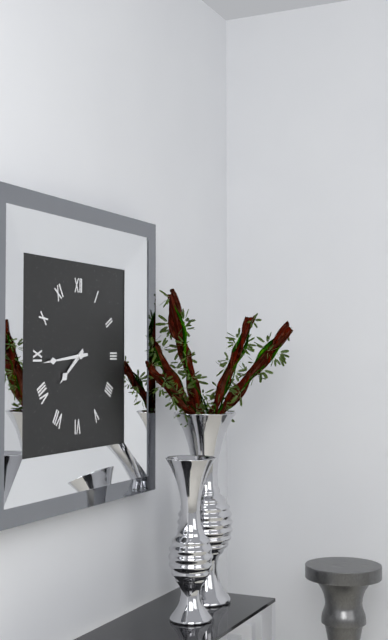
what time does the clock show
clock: 7:44
